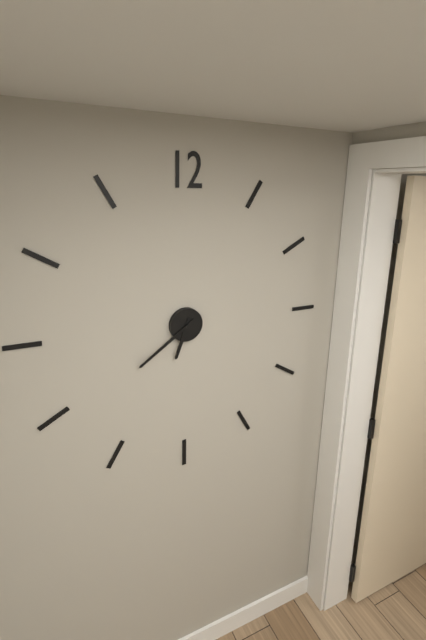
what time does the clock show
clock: 6:39
